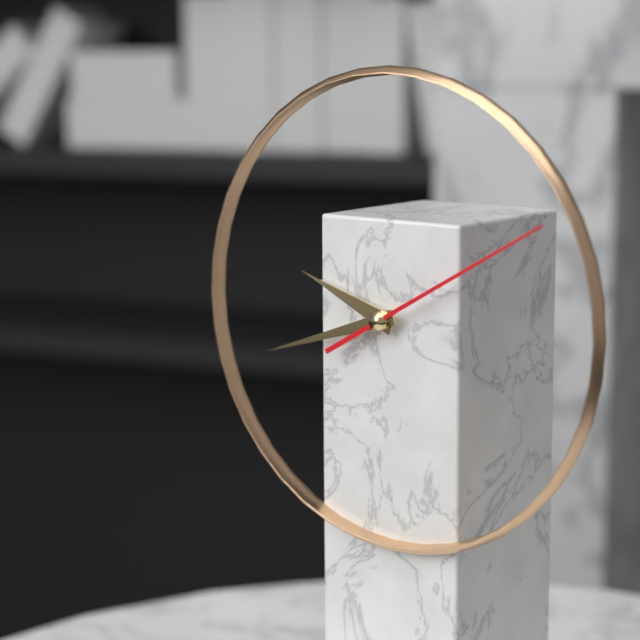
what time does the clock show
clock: 9:42:10
